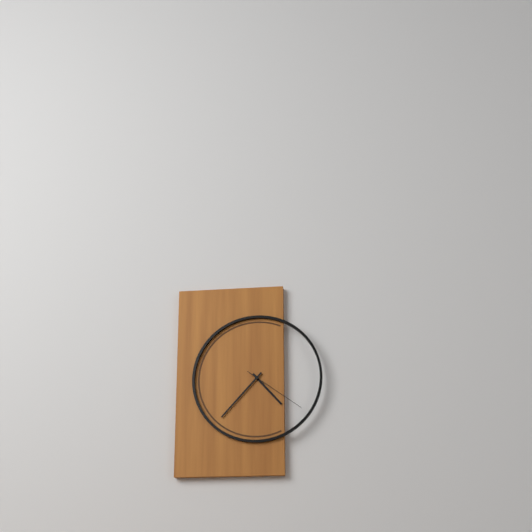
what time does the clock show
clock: 4:37:21
